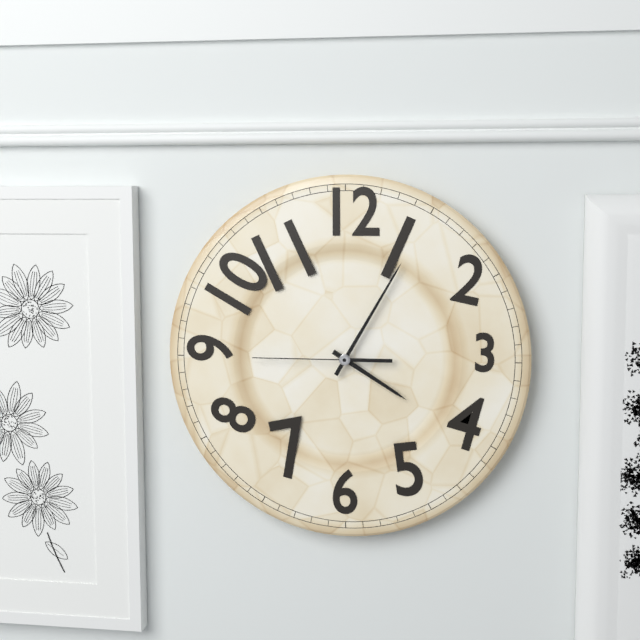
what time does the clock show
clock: 4:05:45
